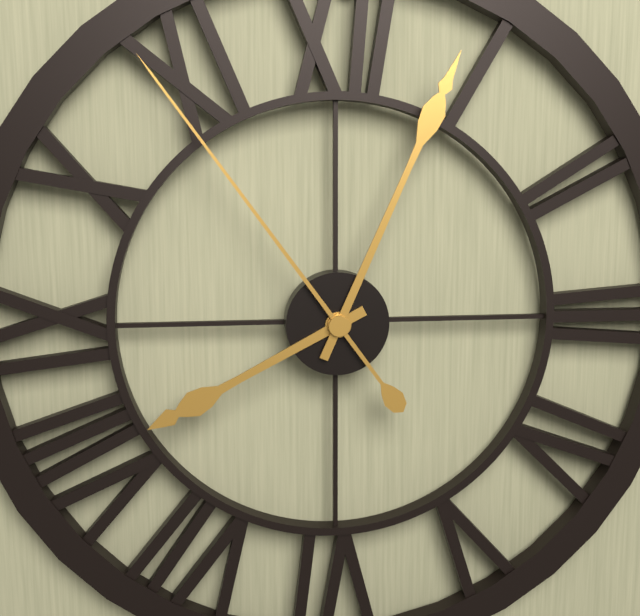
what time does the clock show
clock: 8:04:54
